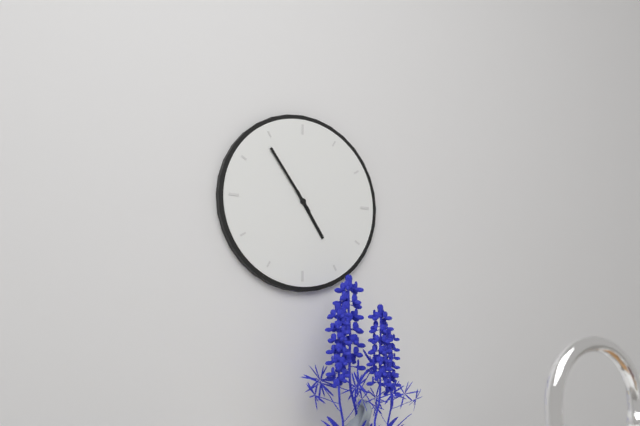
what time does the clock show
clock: 4:54
